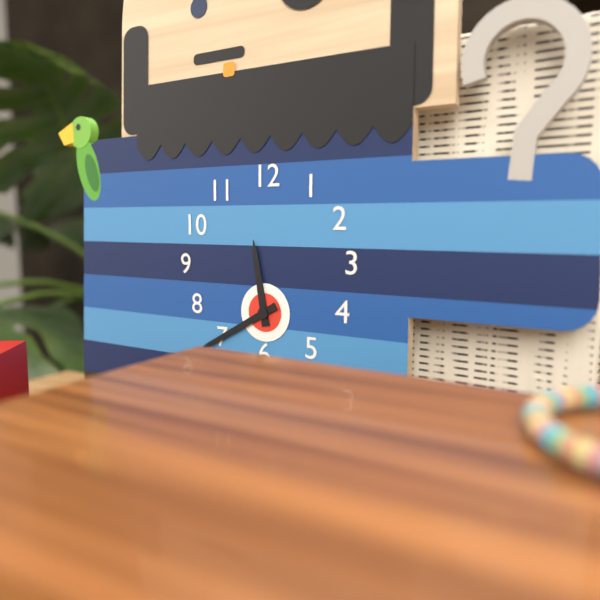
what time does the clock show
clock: 11:40
